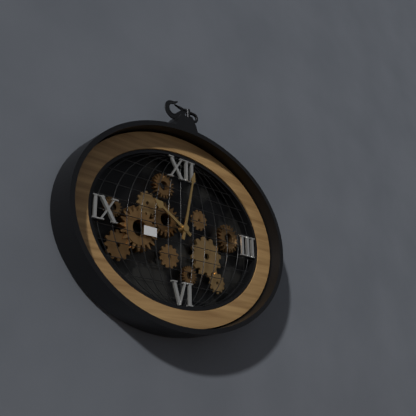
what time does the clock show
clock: 10:02
